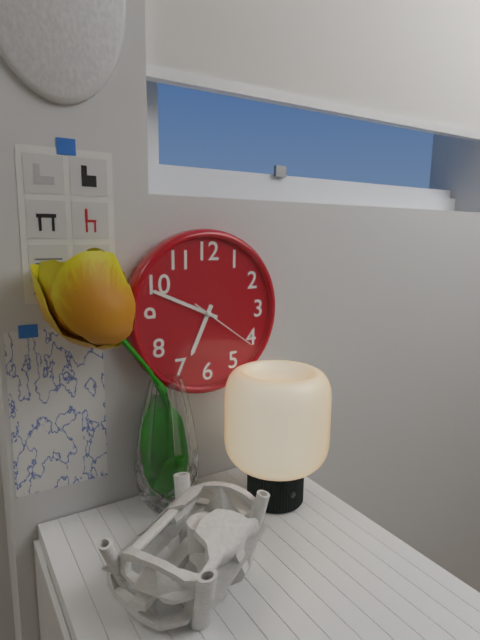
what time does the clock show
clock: 6:49:21
